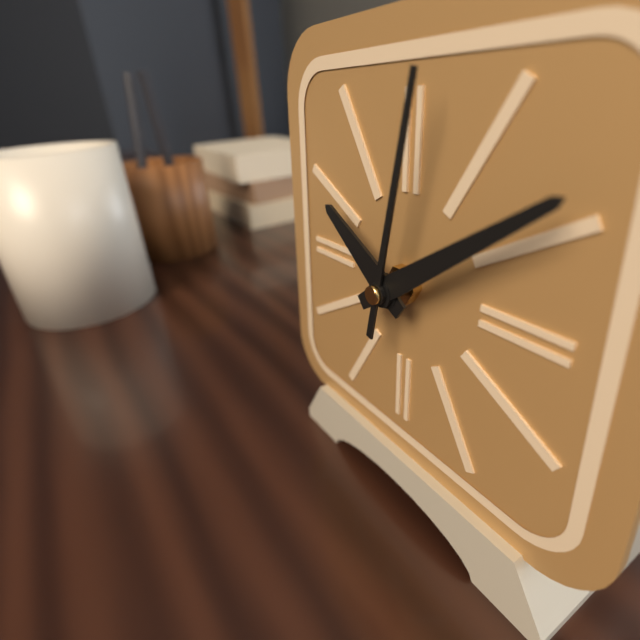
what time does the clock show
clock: 10:09:02
